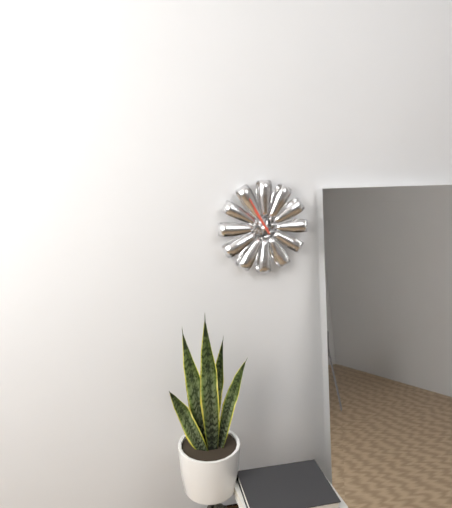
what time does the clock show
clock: 10:55
